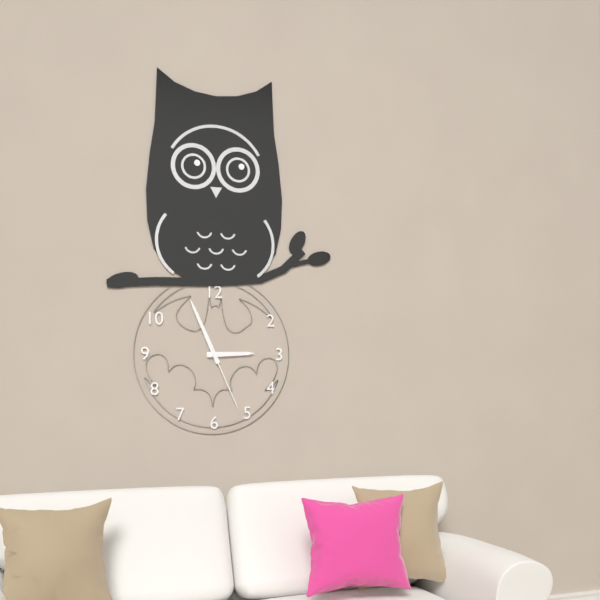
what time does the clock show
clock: 2:56:26
